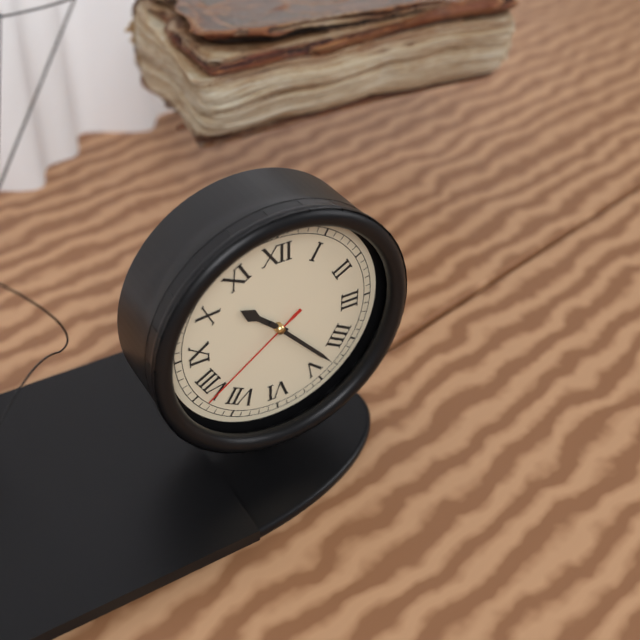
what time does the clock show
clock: 10:23:39
